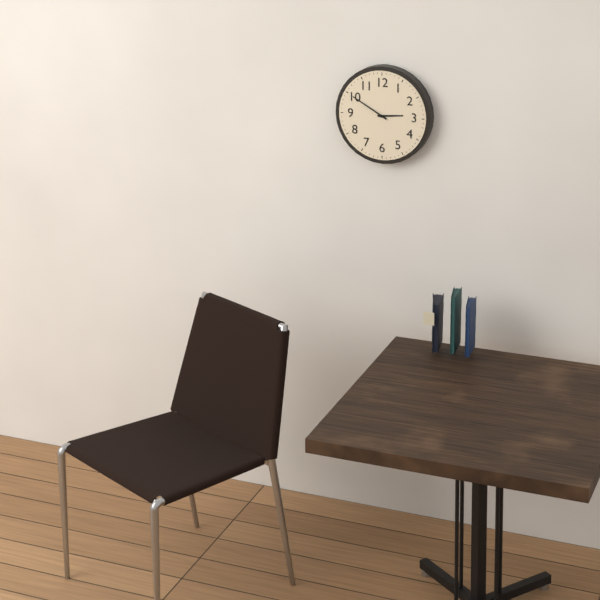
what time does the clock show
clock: 2:50
